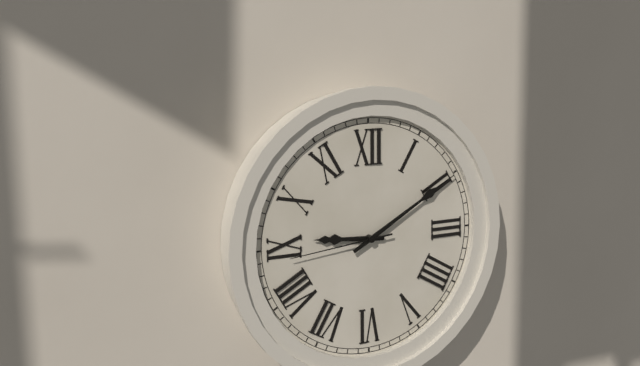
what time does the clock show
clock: 9:10:44
